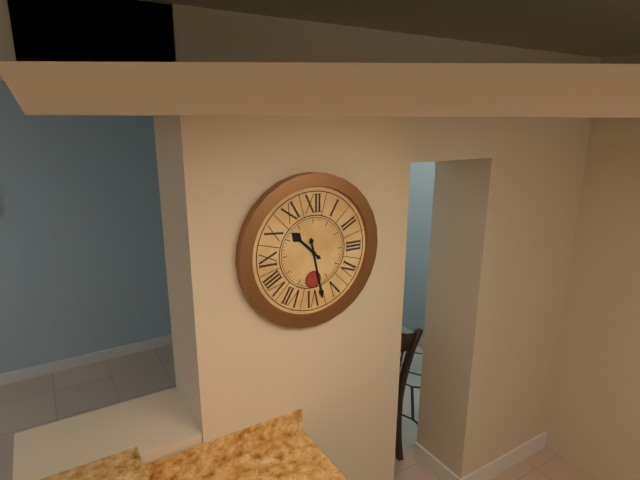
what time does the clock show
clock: 10:28
